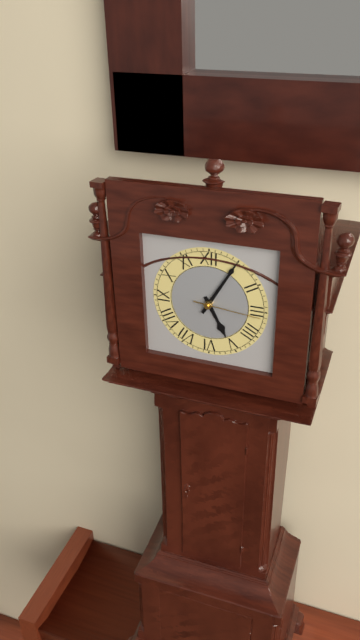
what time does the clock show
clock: 5:05:16
